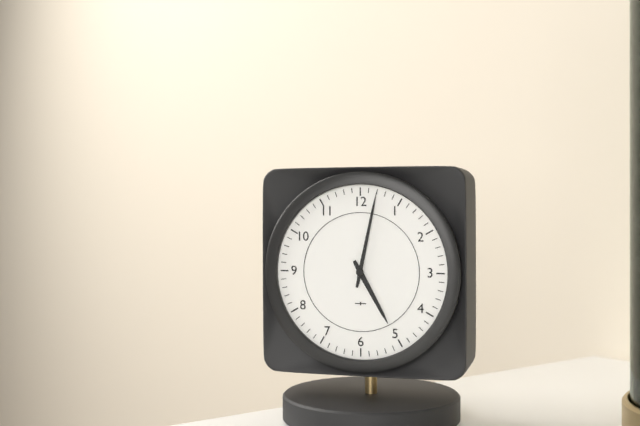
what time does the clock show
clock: 5:02
